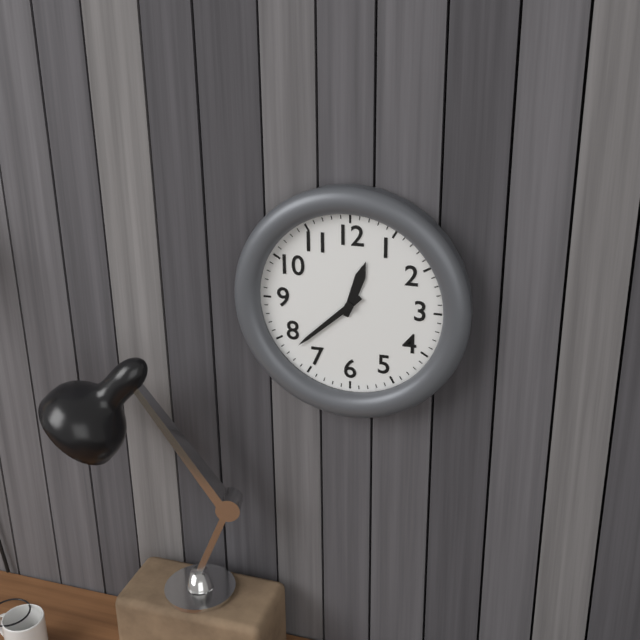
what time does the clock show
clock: 12:38
